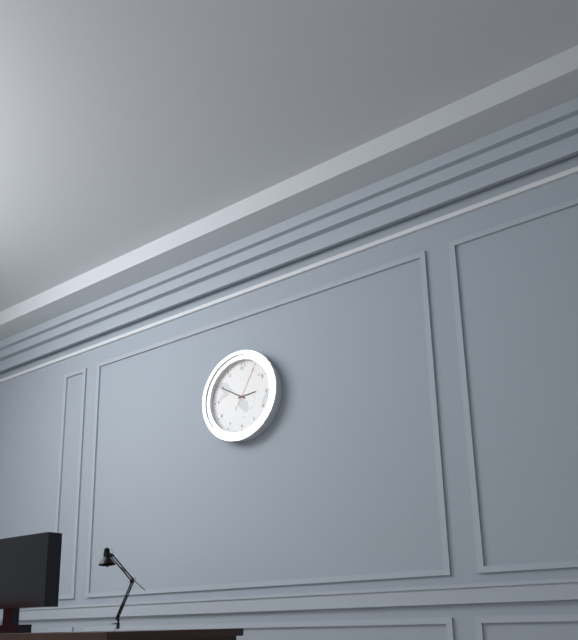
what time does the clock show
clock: 2:50
